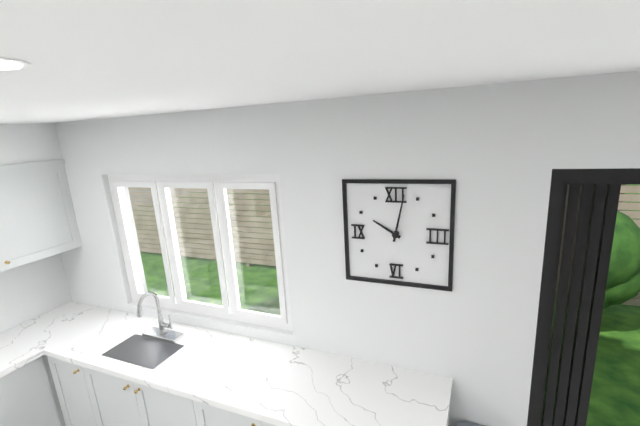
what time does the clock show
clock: 10:02
